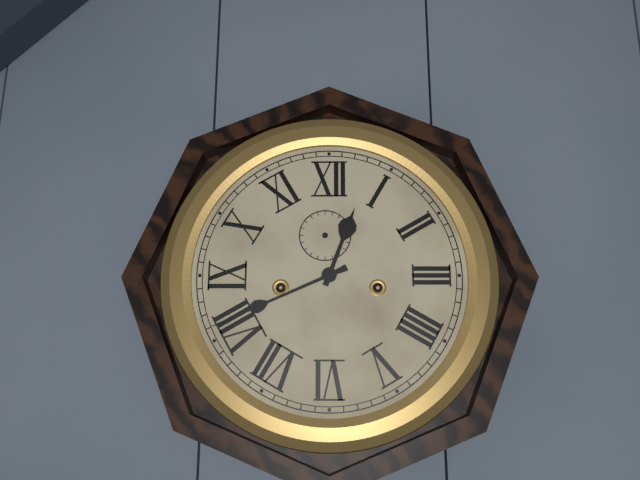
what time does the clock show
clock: 12:41
